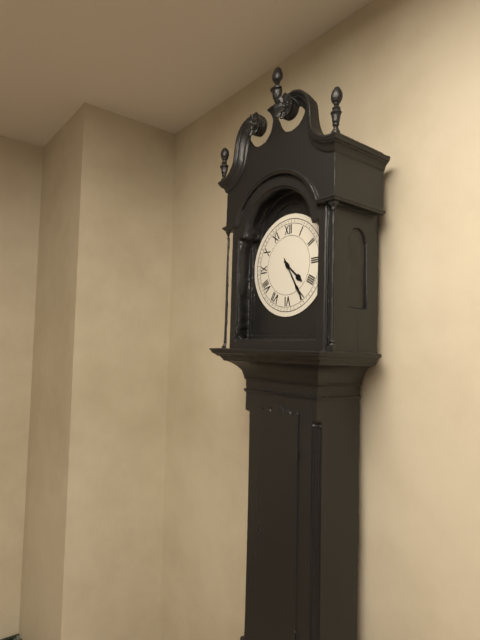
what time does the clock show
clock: 4:25
